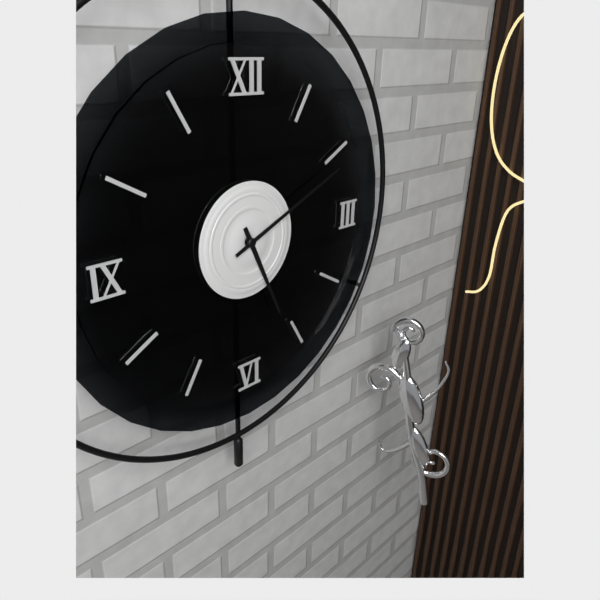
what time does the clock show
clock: 5:11
